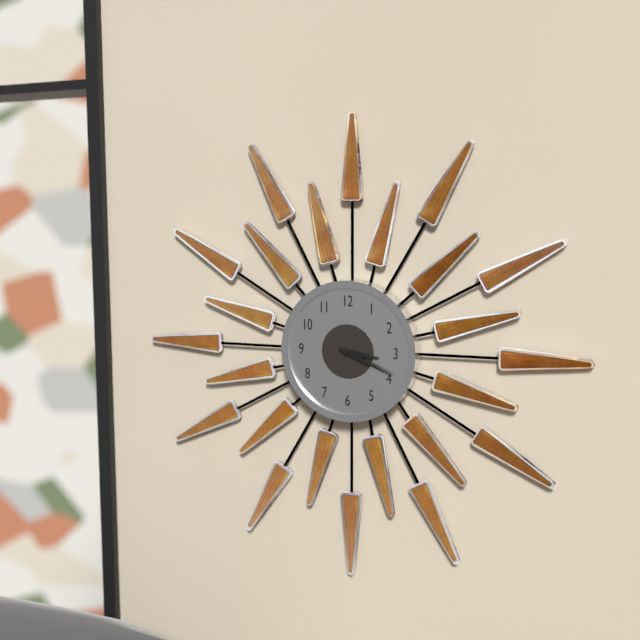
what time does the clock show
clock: 3:19
